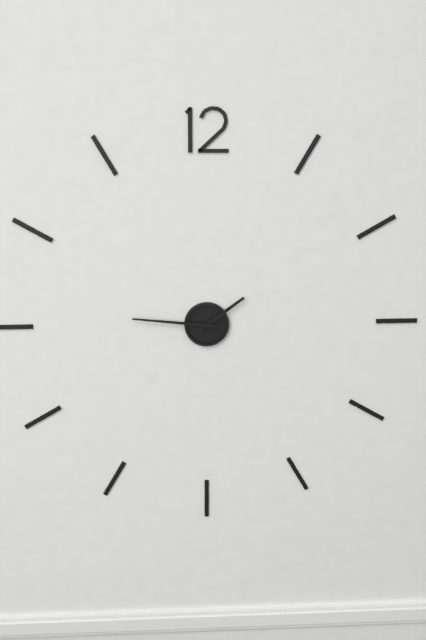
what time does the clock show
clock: 1:46
